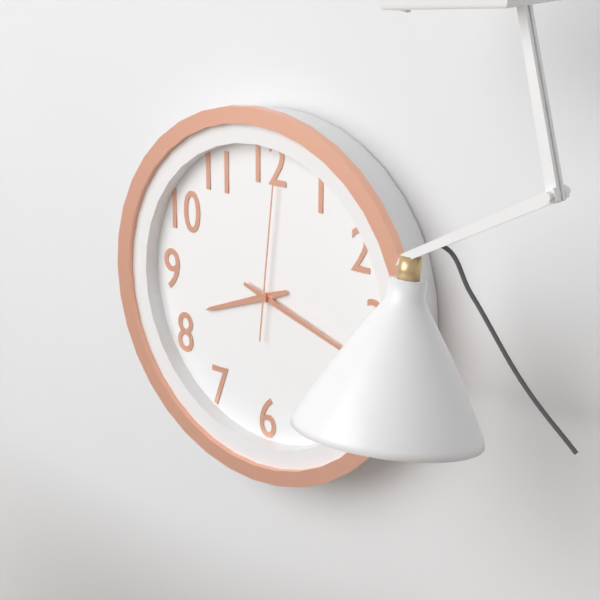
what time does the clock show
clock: 8:18:01
